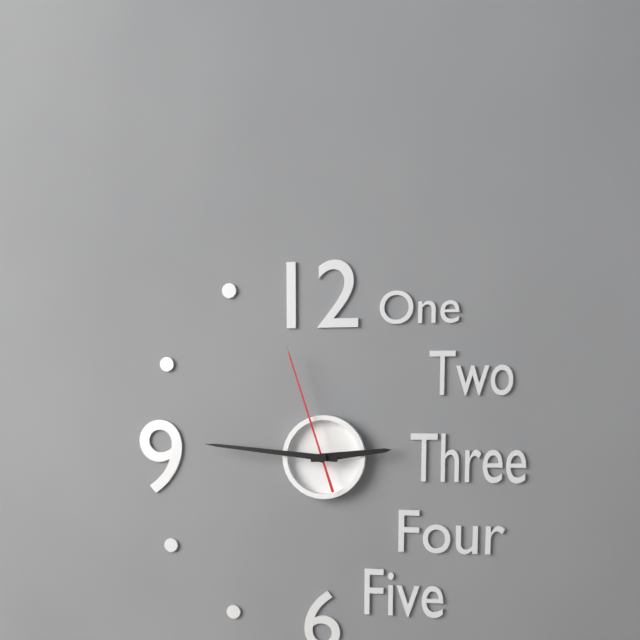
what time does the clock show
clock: 2:46:57
